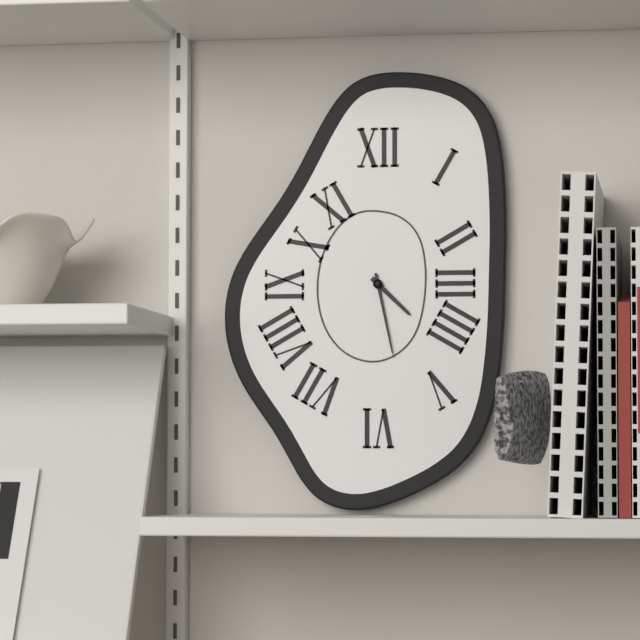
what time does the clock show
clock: 4:28
